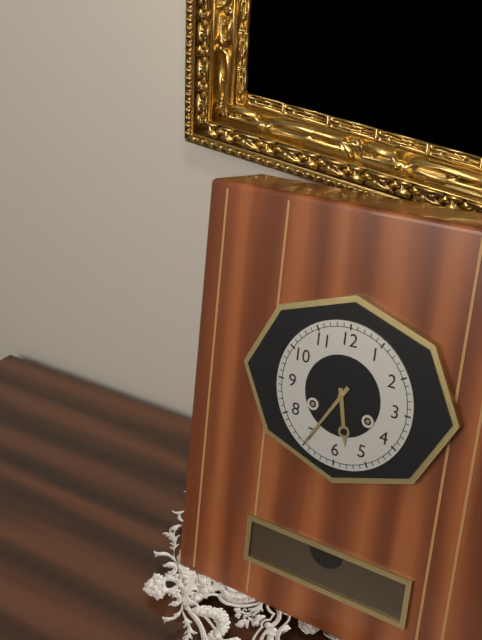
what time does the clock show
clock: 5:35
